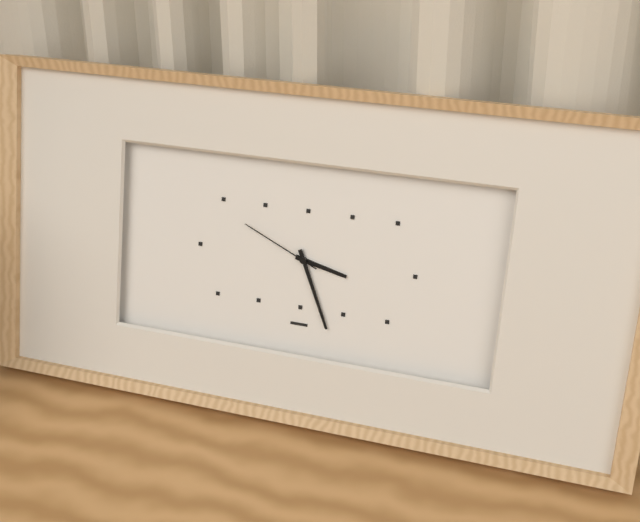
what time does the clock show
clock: 3:26:49
